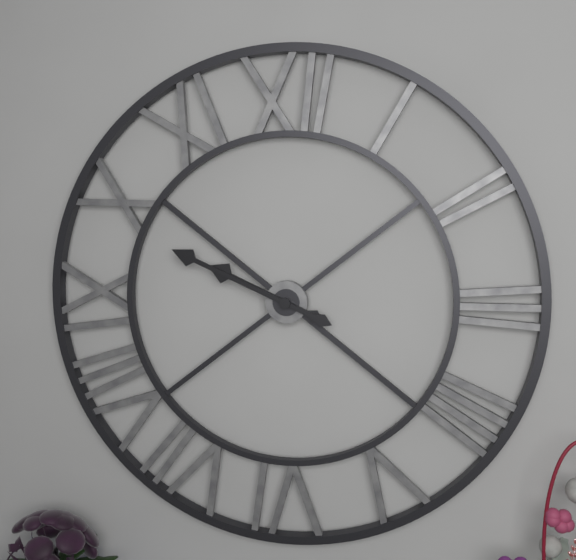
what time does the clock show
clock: 9:49
